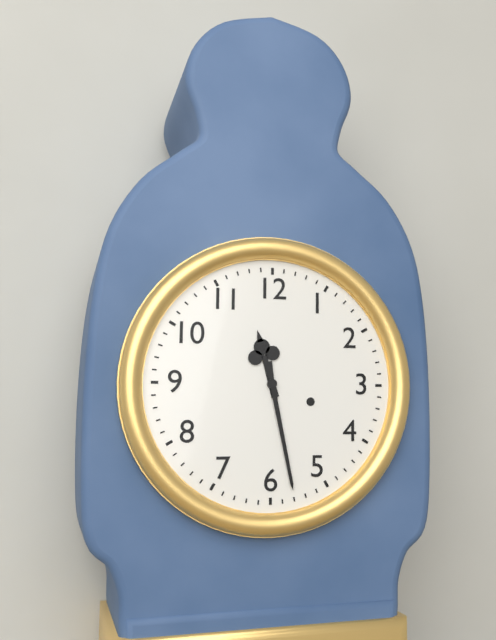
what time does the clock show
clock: 11:28
